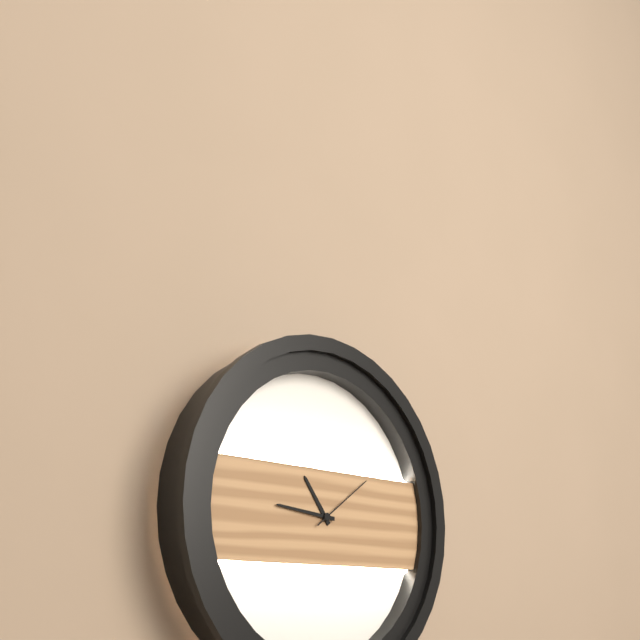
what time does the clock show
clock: 10:46:09
